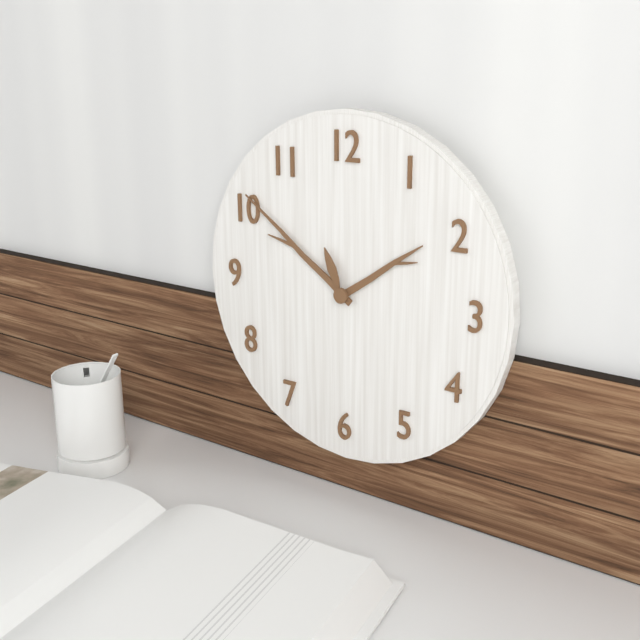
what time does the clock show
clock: 1:51:56
